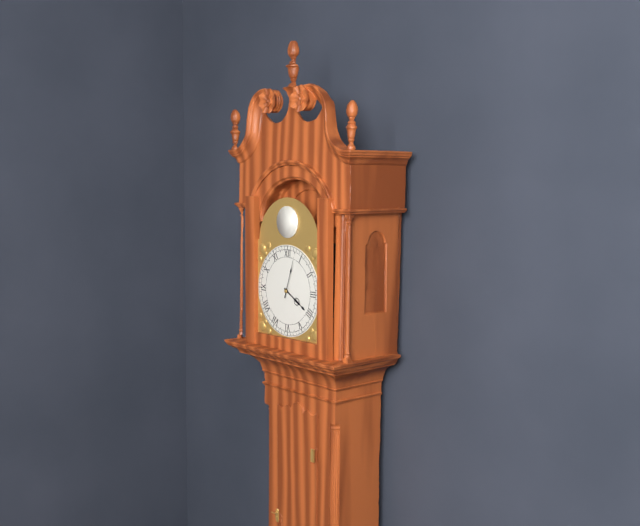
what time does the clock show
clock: 4:03
